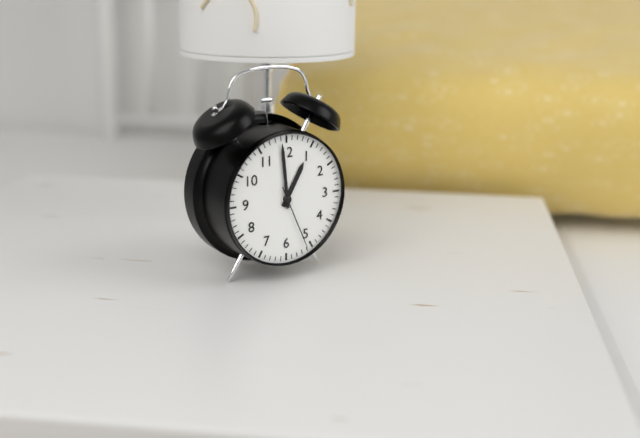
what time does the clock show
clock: 12:59:26
